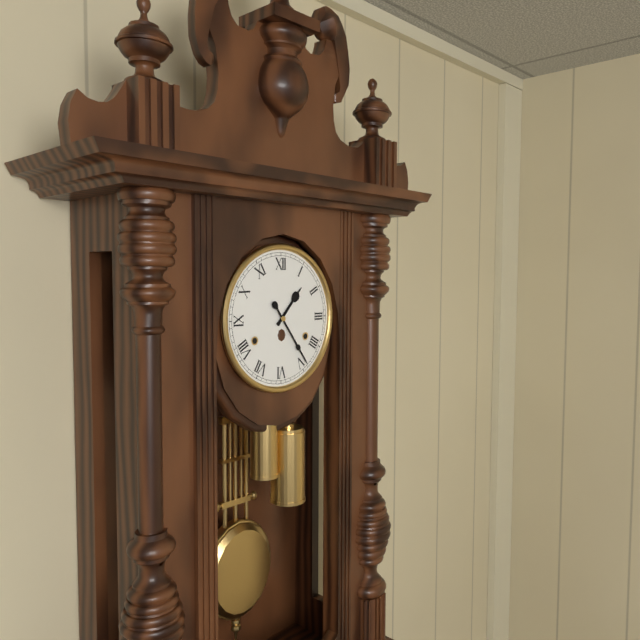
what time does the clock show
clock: 1:24
